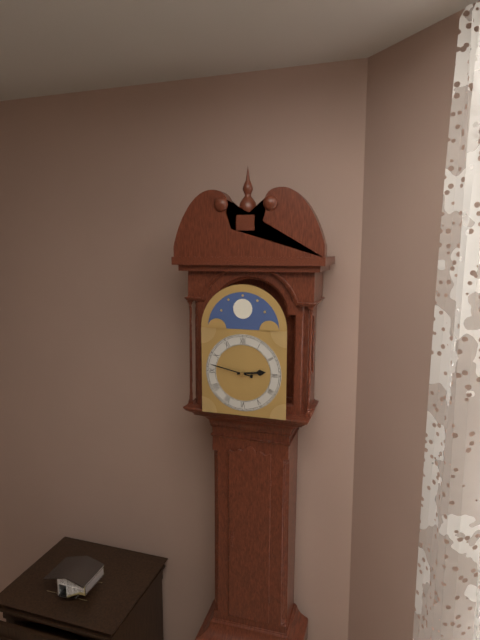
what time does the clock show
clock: 2:47
